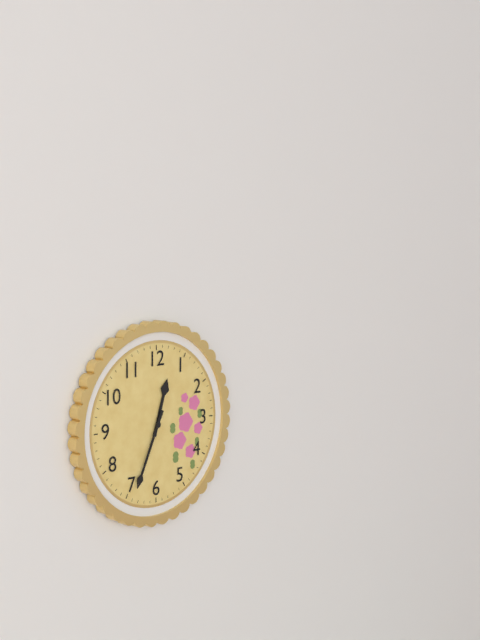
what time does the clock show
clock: 12:34
